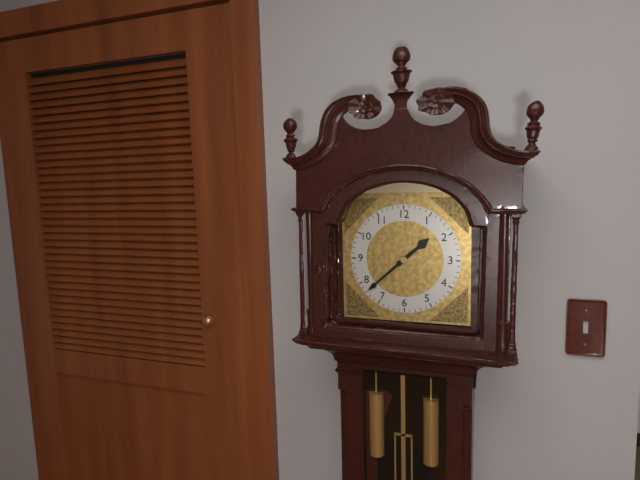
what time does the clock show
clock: 1:38
